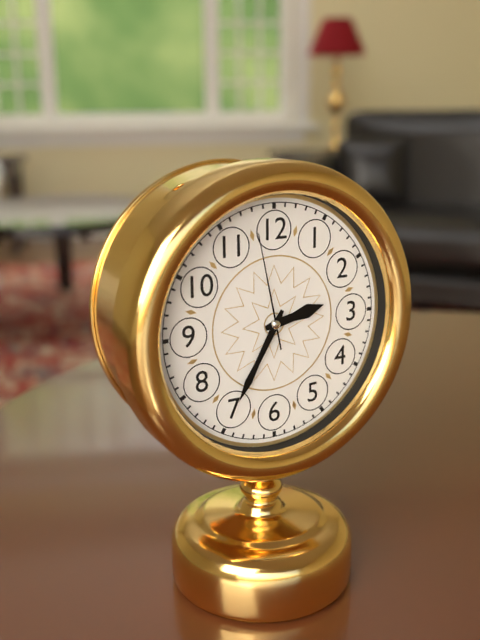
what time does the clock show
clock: 2:35:58
